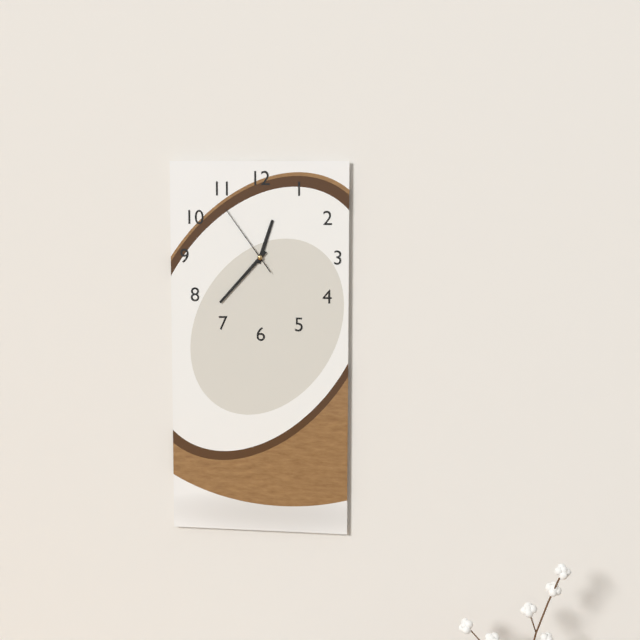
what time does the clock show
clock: 12:37:54
